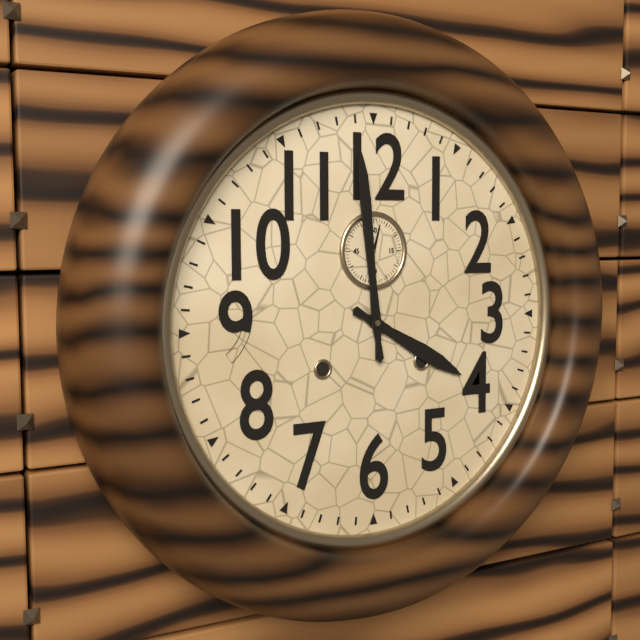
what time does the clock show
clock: 3:59
